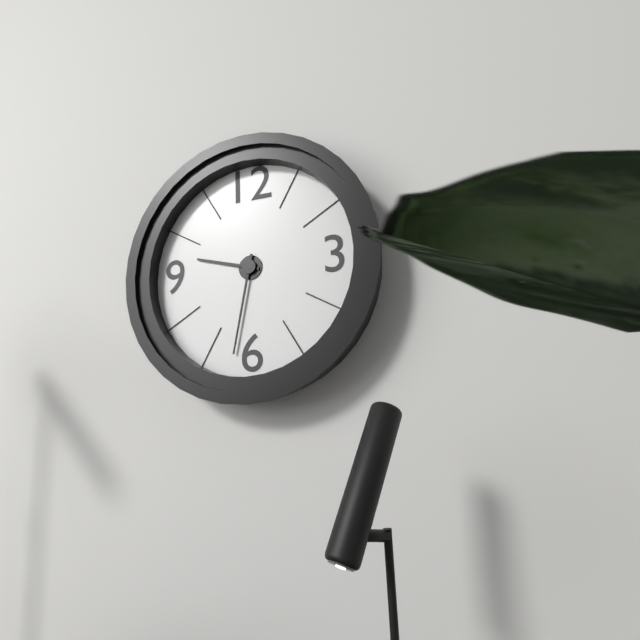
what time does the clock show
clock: 9:32
